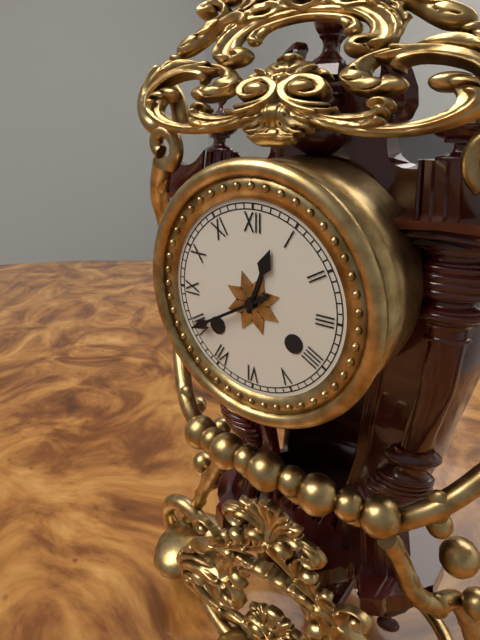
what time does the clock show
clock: 12:40
